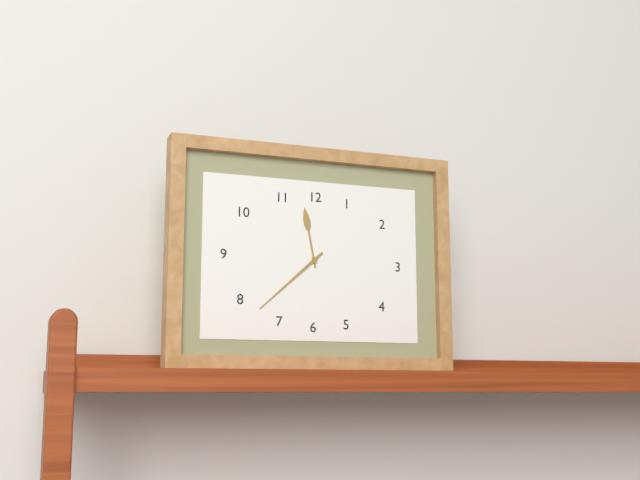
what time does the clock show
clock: 11:38
